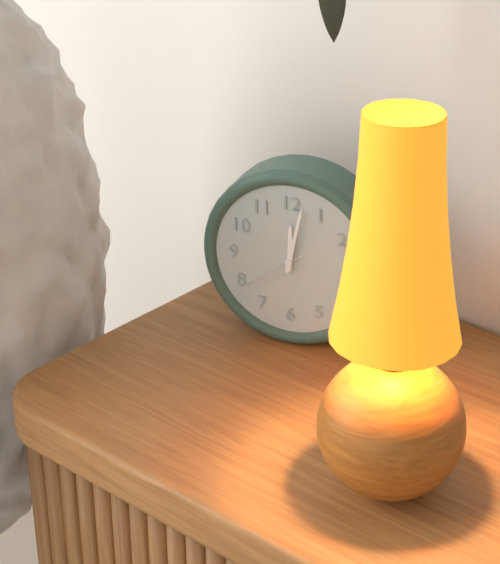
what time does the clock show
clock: 12:02:39
